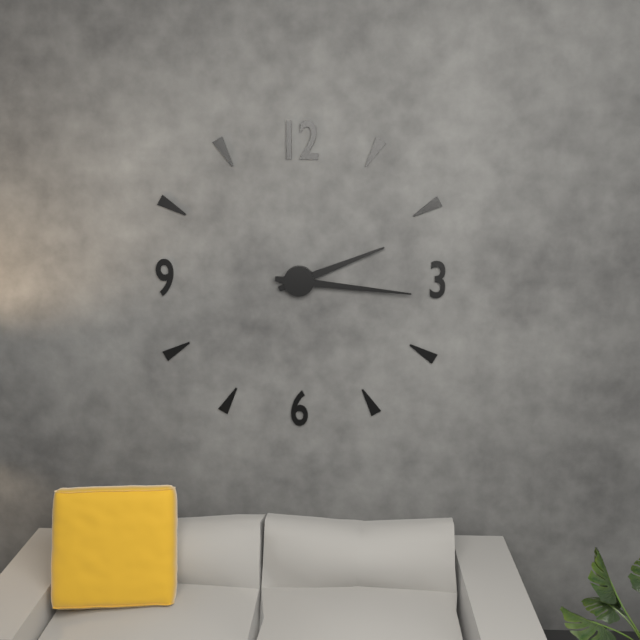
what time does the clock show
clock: 2:16
